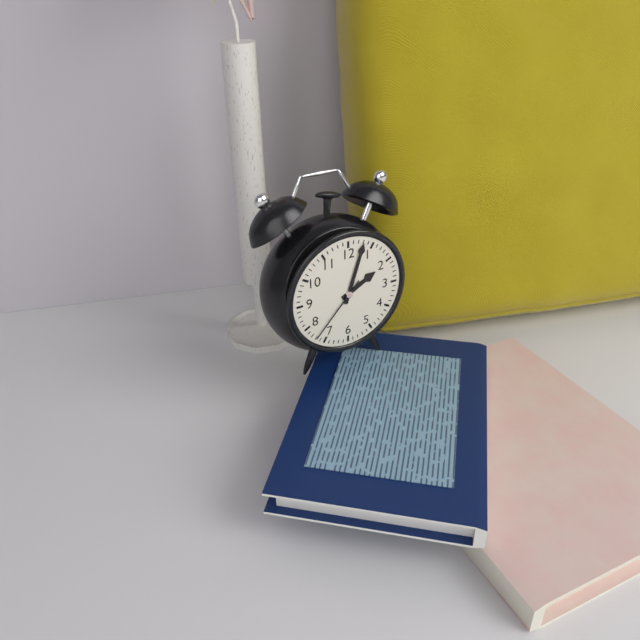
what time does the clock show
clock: 2:03:37
